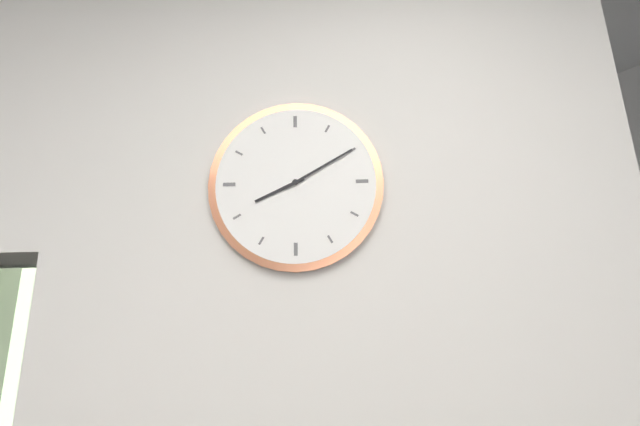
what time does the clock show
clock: 8:10
